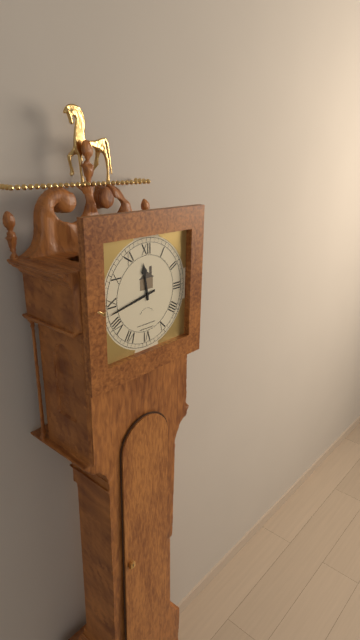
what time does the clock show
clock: 11:43
